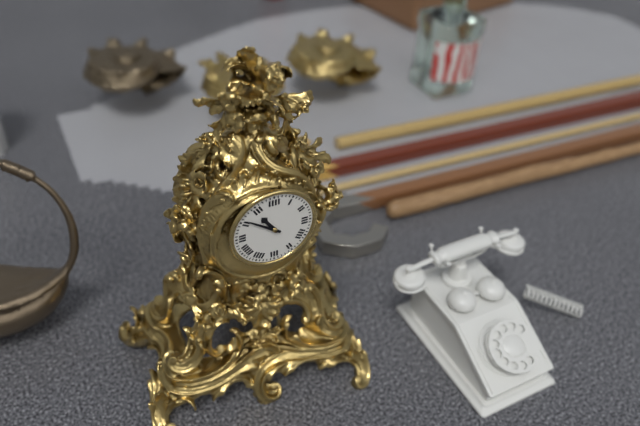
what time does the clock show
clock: 10:51
